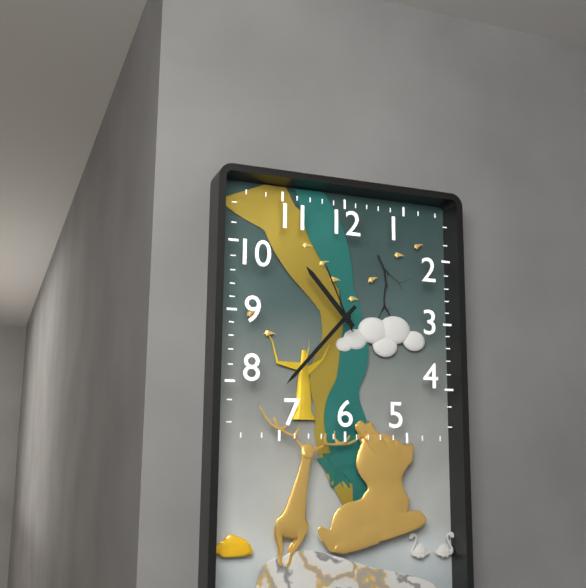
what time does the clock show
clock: 10:37:56
